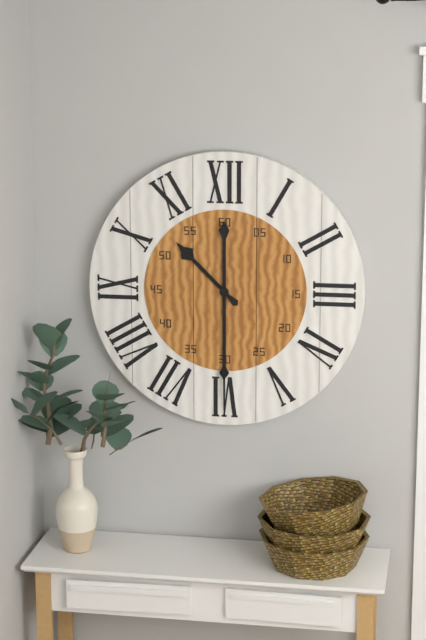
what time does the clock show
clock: 10:30
